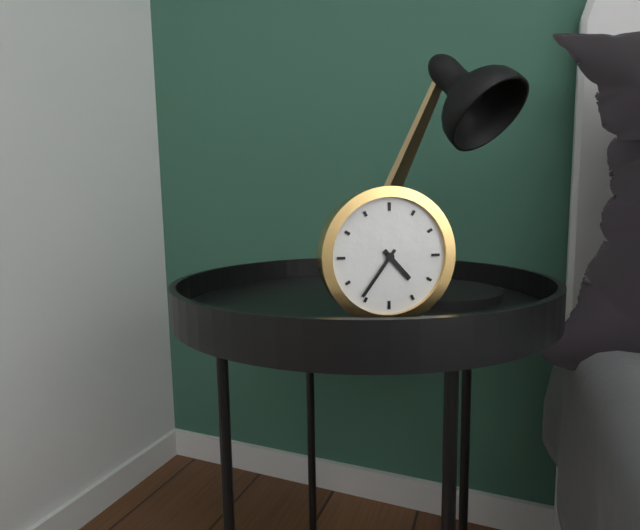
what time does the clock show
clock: 4:36
